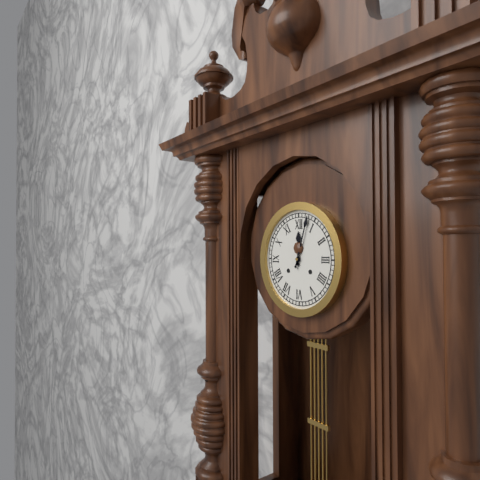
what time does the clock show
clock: 12:03
